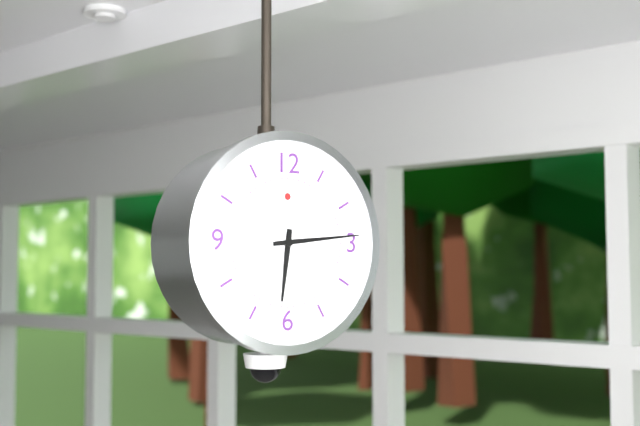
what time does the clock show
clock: 6:14
